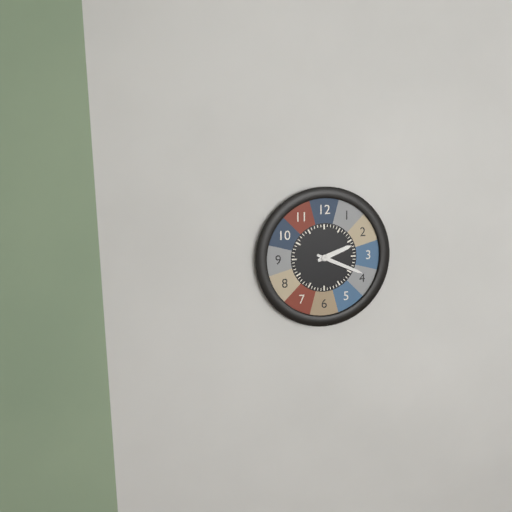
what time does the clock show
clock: 2:19
